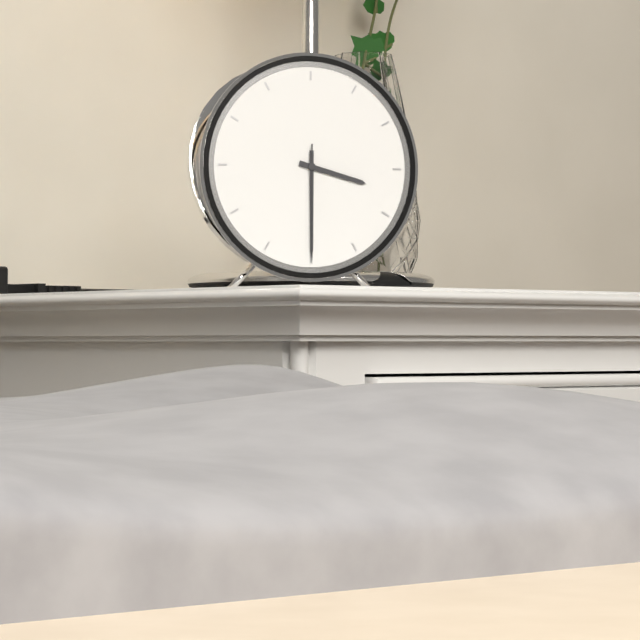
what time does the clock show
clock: 3:30:30
